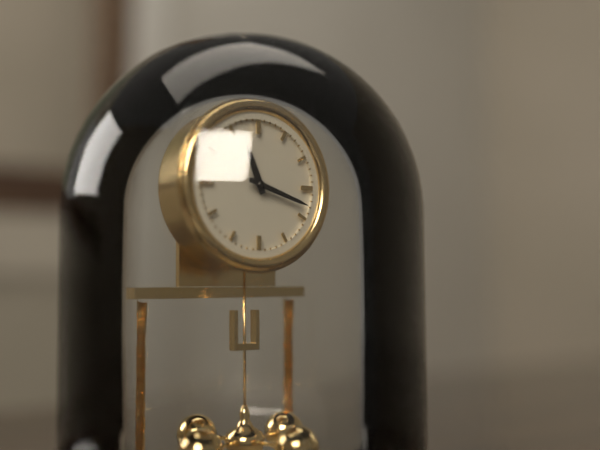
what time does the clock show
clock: 11:18
